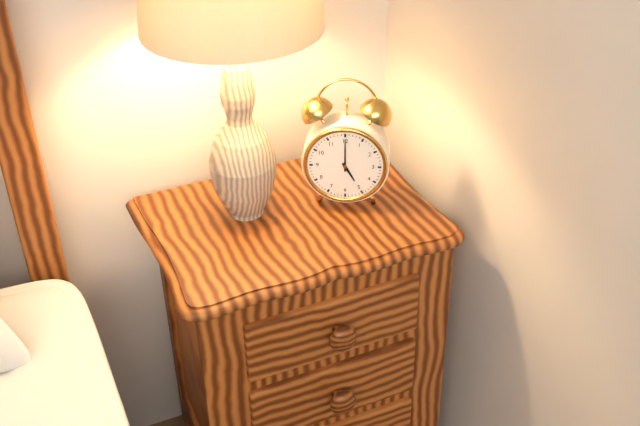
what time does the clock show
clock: 5:00
